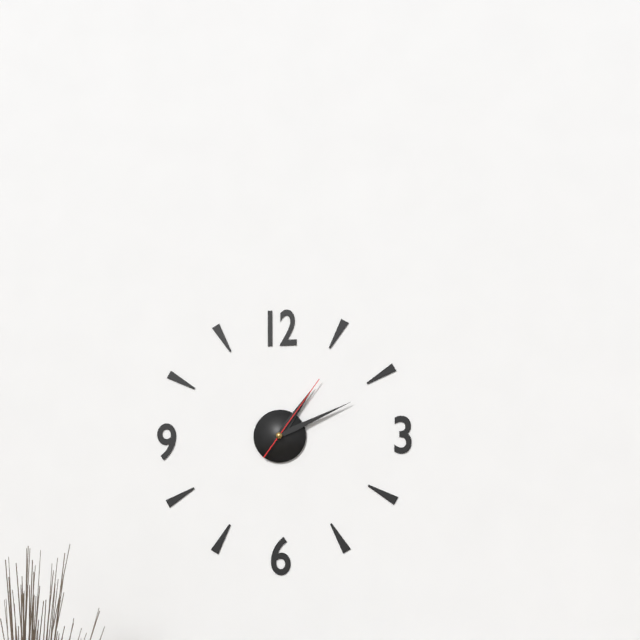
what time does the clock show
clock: 1:11:06
